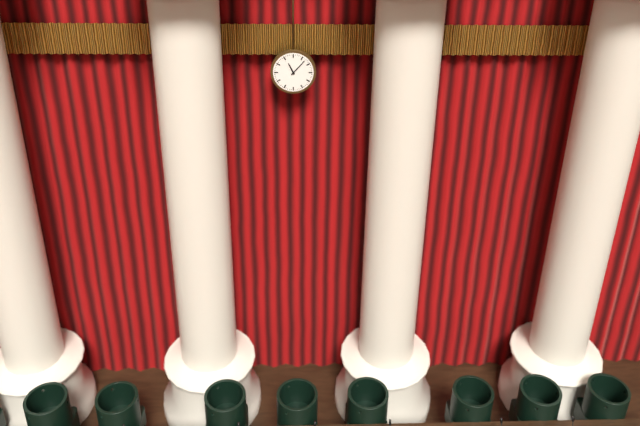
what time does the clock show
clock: 11:07
